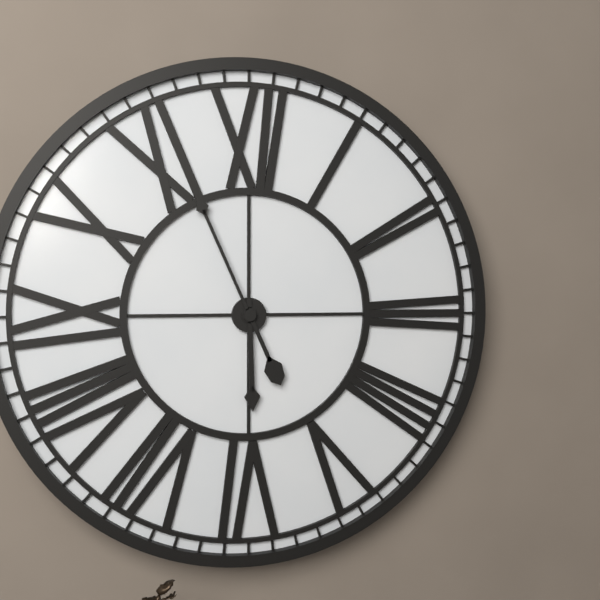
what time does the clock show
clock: 5:56
